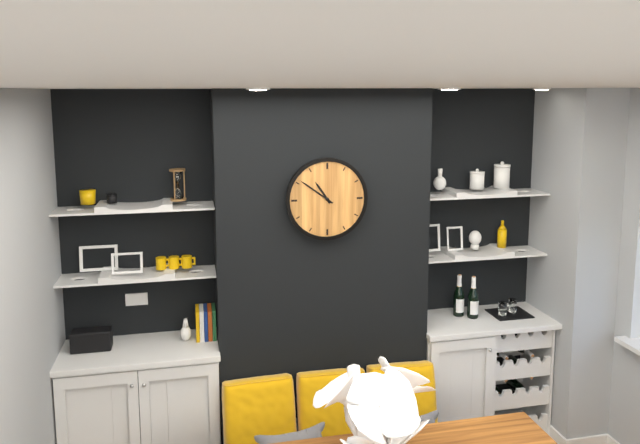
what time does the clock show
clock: 10:51
